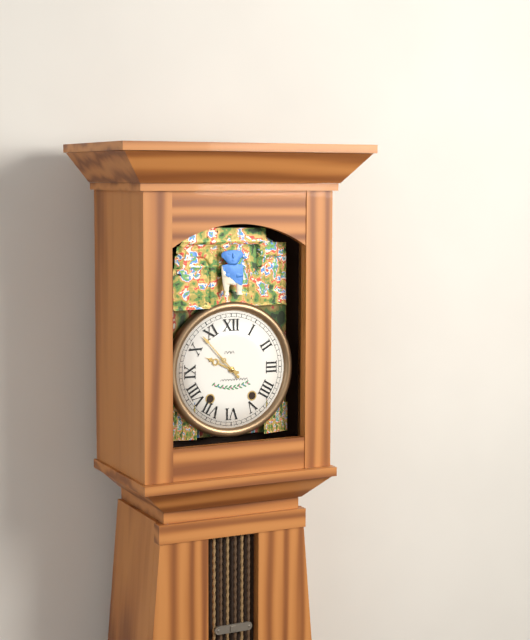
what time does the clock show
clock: 9:53
